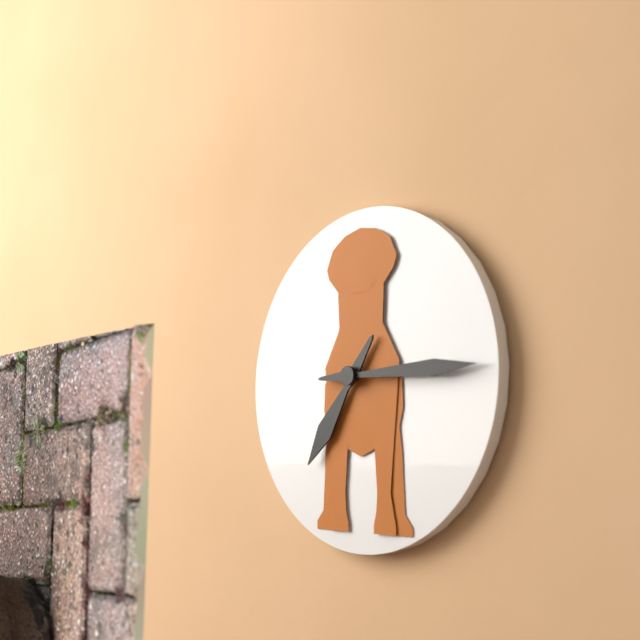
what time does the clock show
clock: 7:15
